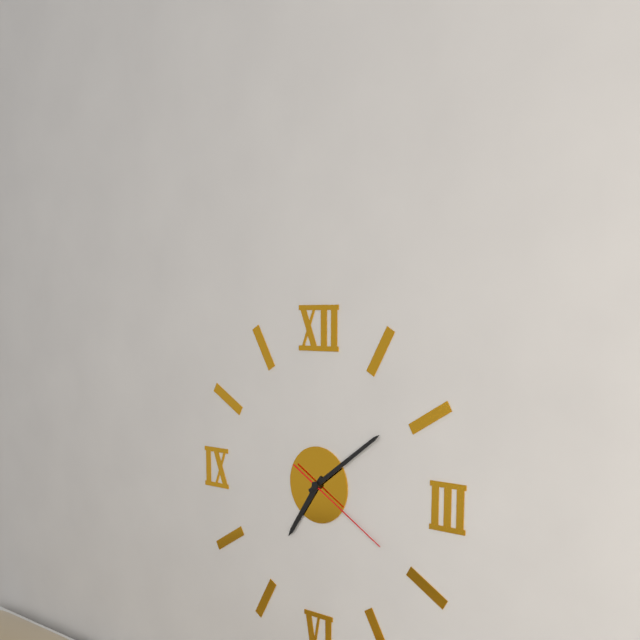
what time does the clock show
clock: 7:09:20
